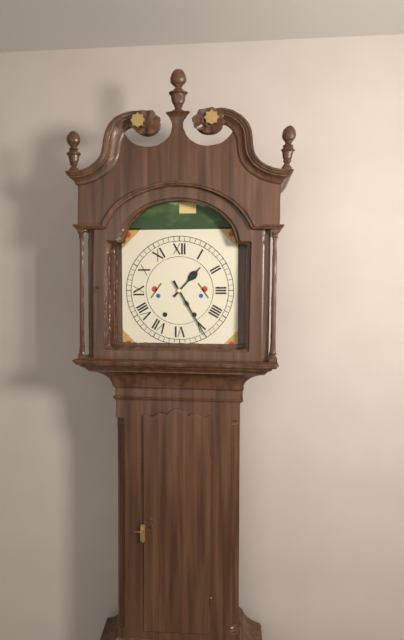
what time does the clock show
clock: 1:25
